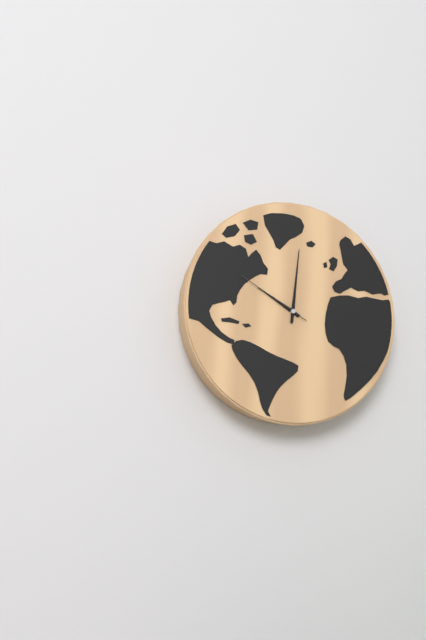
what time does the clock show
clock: 10:01:50
